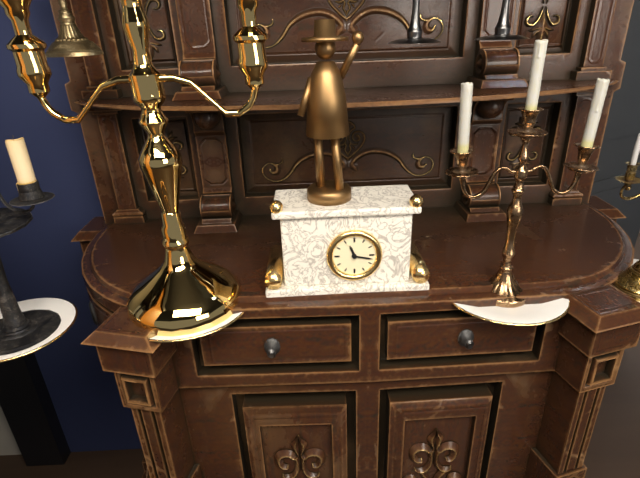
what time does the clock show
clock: 11:17
